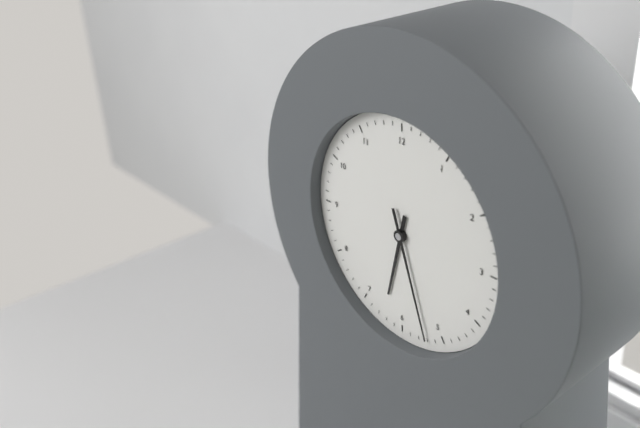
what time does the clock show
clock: 6:27
